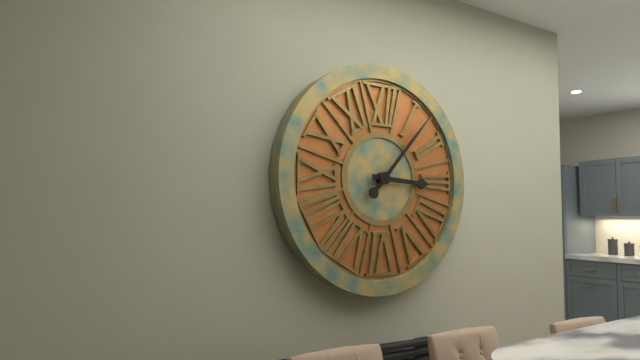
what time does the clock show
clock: 3:07
